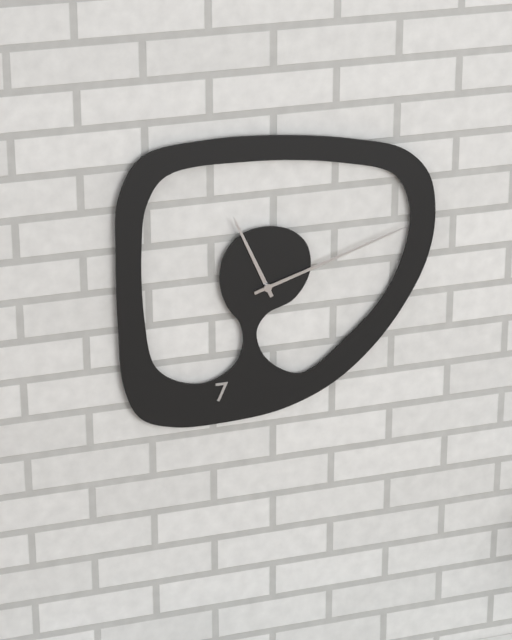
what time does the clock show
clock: 11:12
